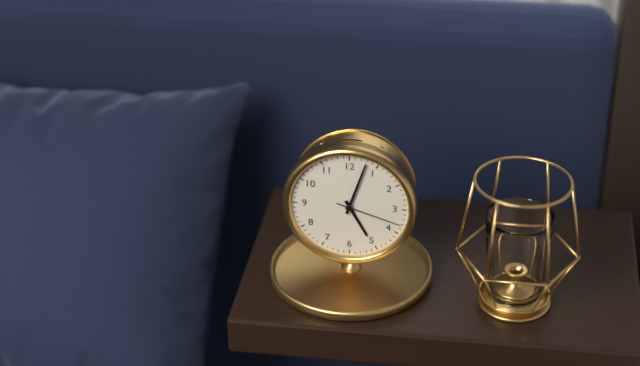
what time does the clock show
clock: 5:03:18
